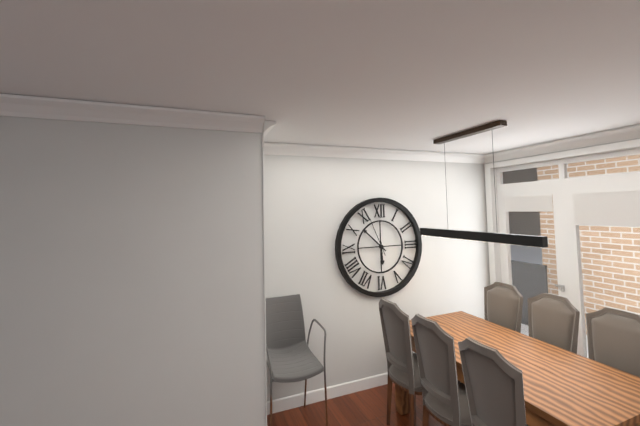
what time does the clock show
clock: 5:52
